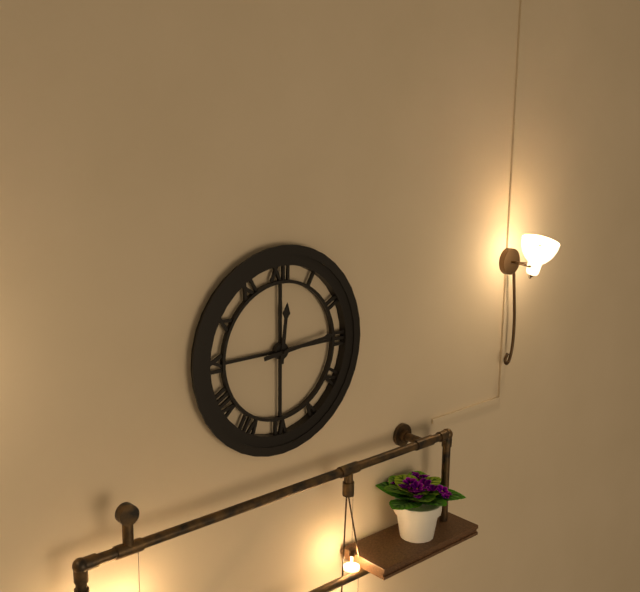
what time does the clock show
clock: 12:14
